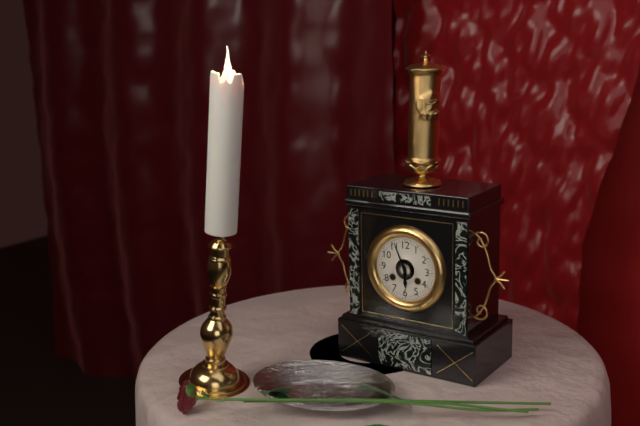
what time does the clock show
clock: 5:56
